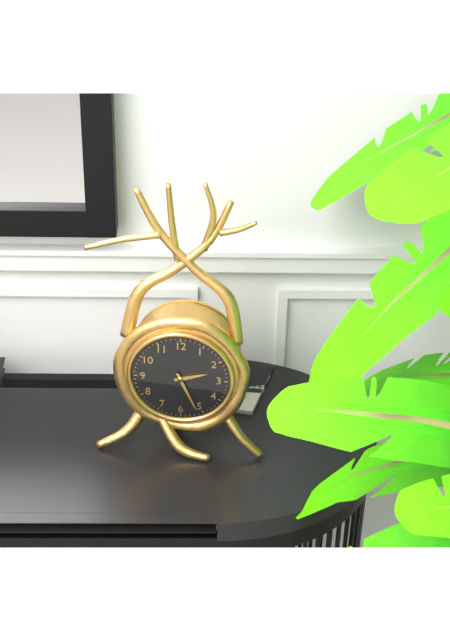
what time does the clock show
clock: 2:26
